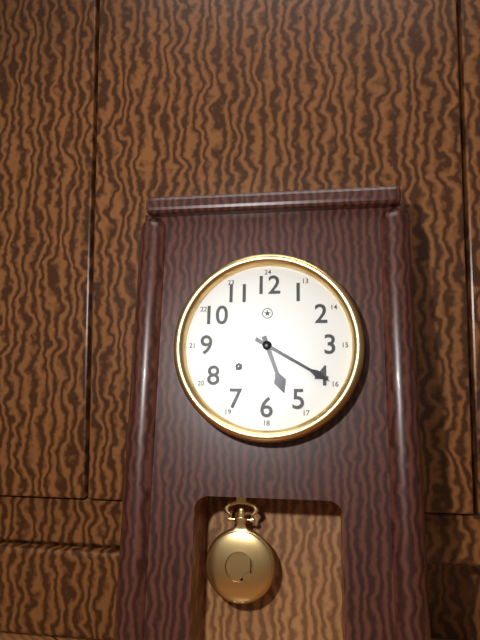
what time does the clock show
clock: 5:20
